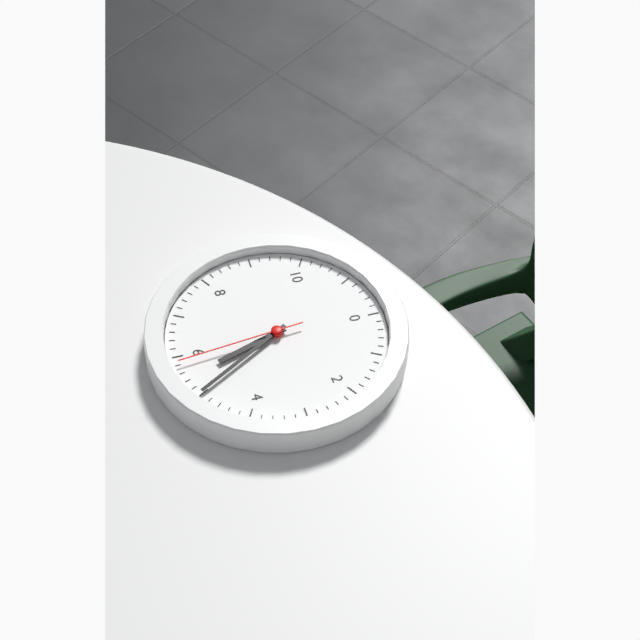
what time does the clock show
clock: 5:25:29
